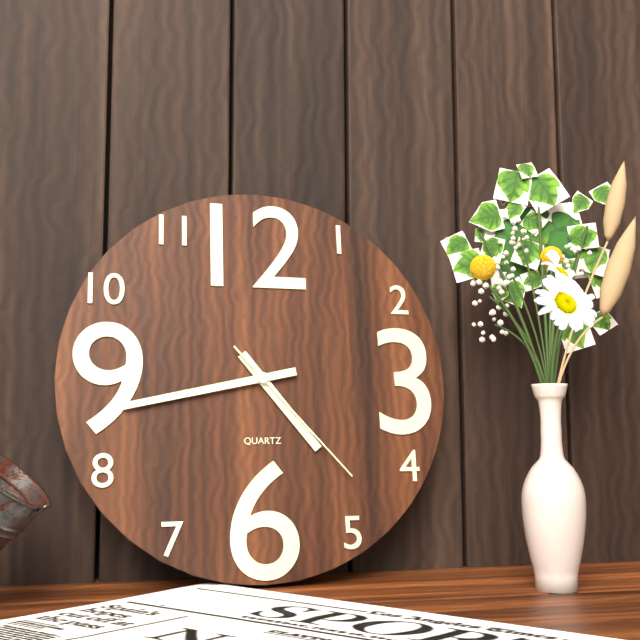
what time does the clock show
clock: 4:43:23
